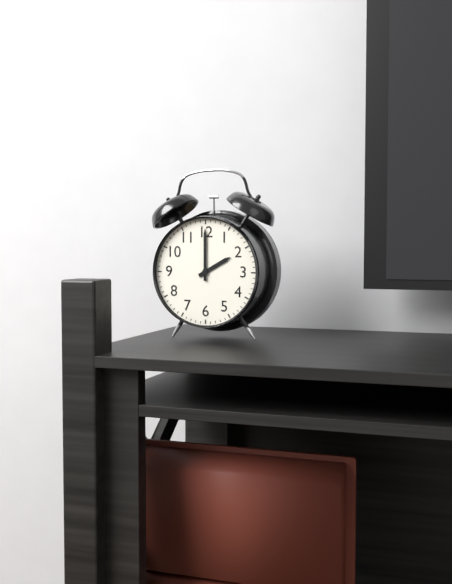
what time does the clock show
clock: 2:00
